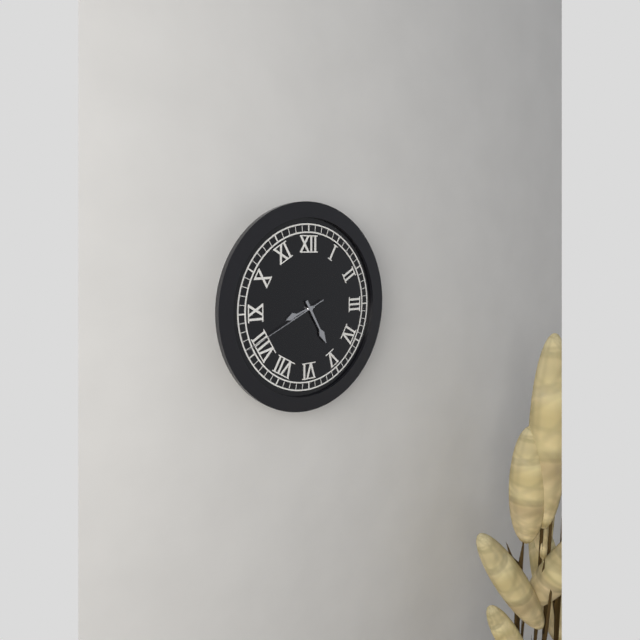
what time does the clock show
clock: 8:25:41
